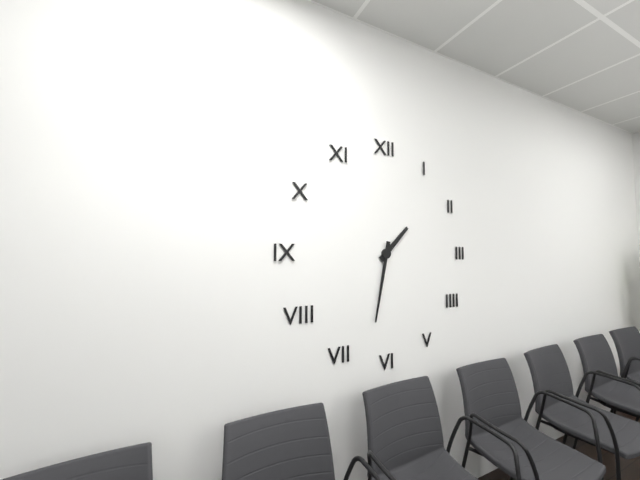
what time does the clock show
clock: 1:32
